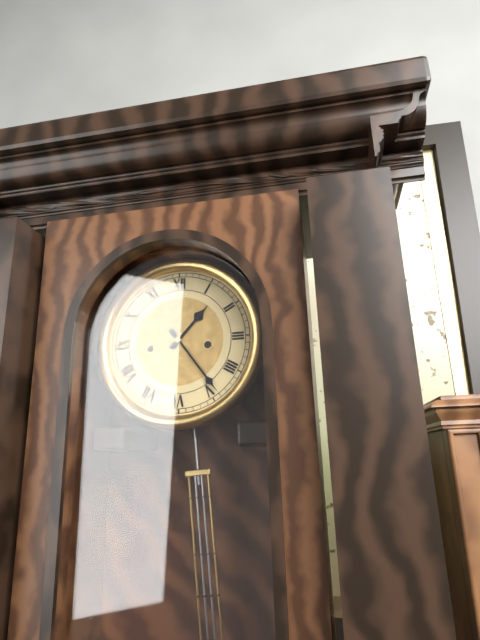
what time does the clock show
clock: 1:24
